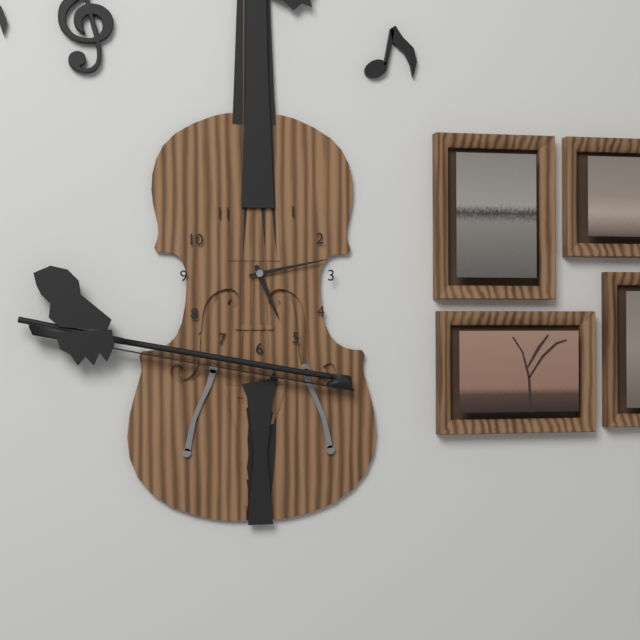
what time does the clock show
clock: 5:13
